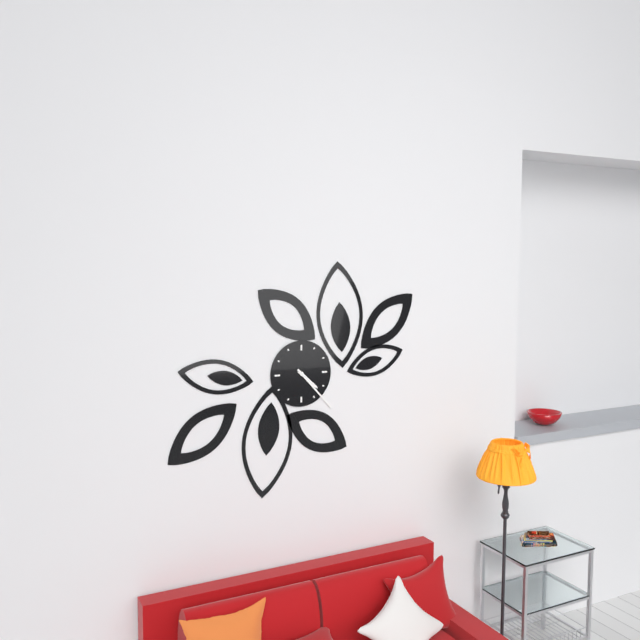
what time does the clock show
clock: 4:23
